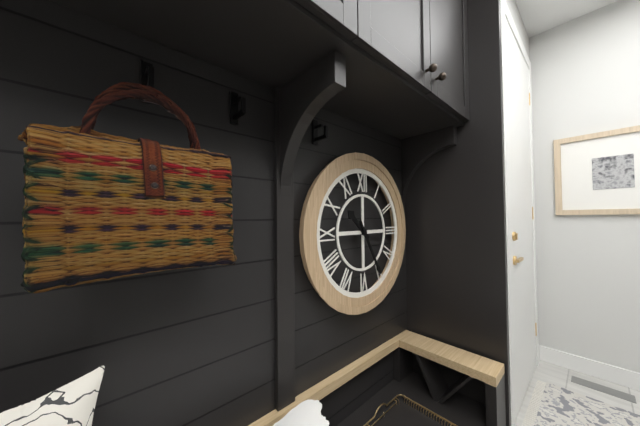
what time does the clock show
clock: 10:25
